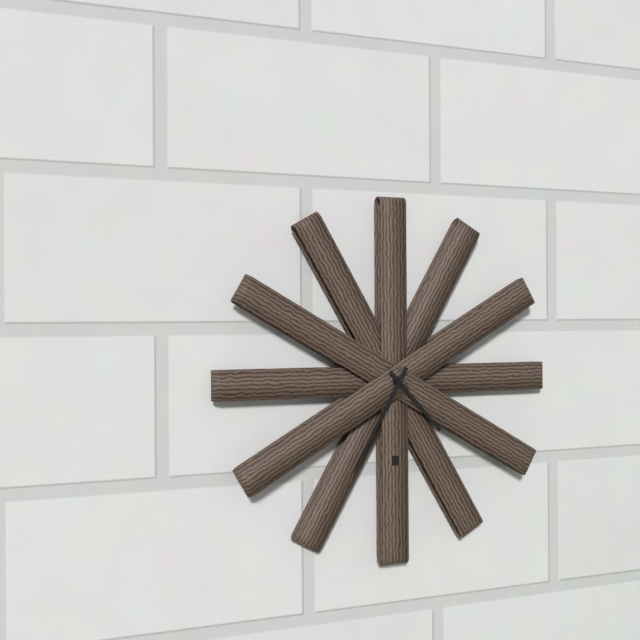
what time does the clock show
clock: 4:35
